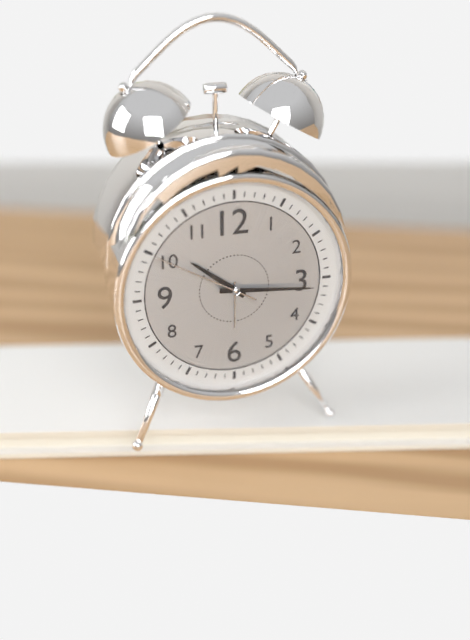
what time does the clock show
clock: 10:16:50
